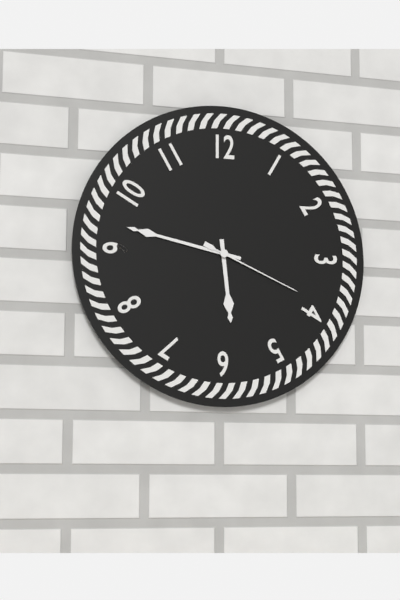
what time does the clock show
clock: 5:47:19
